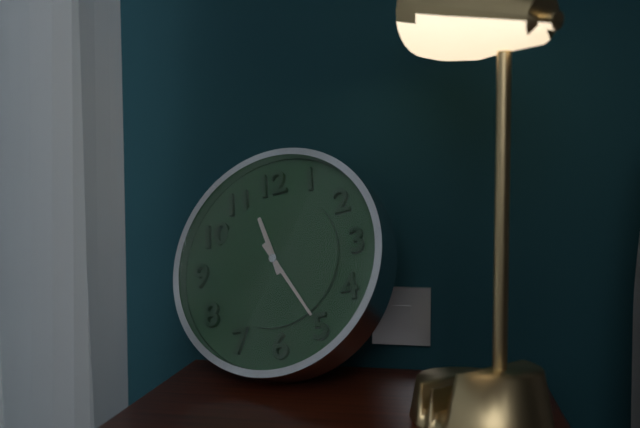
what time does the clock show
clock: 11:25
